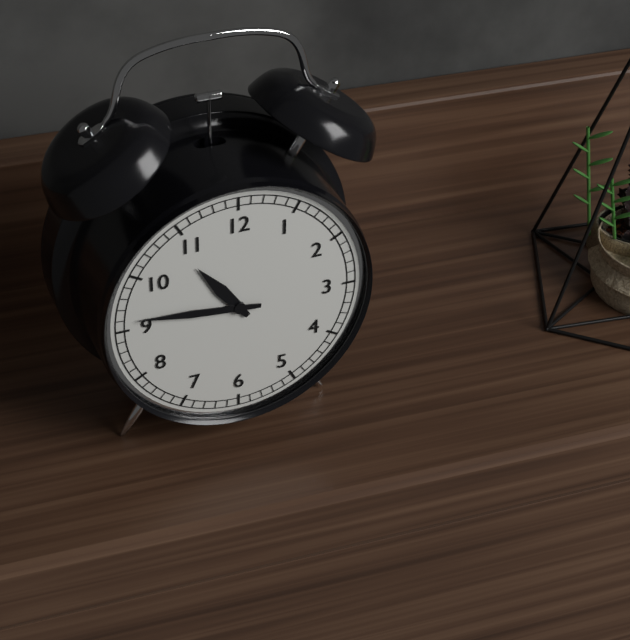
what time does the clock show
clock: 10:46
